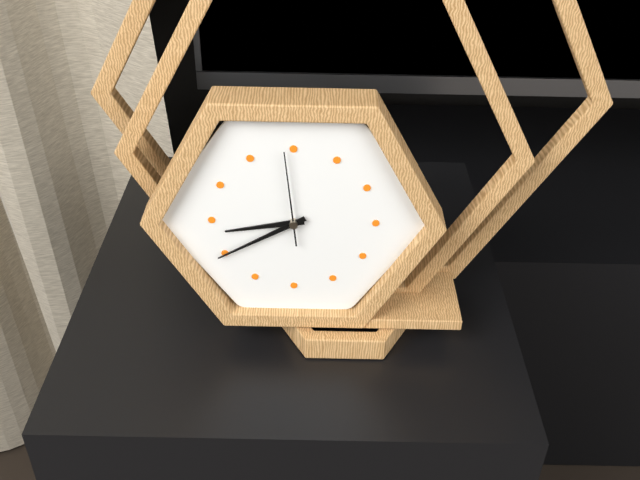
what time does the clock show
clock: 8:40:59
